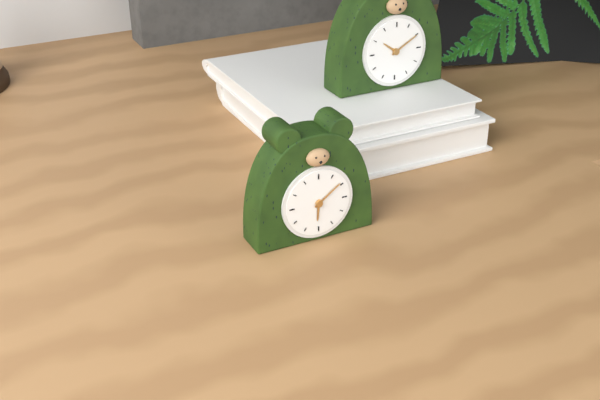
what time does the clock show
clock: 6:09
